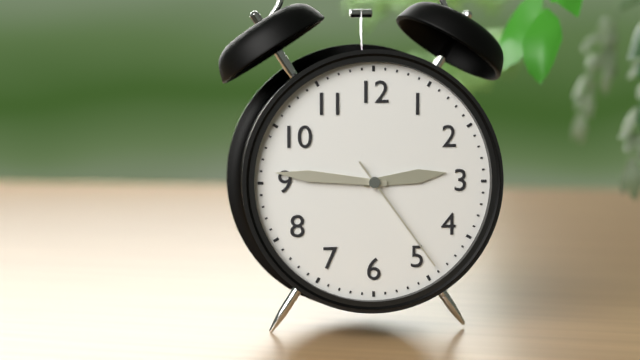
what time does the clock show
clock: 2:46:24
